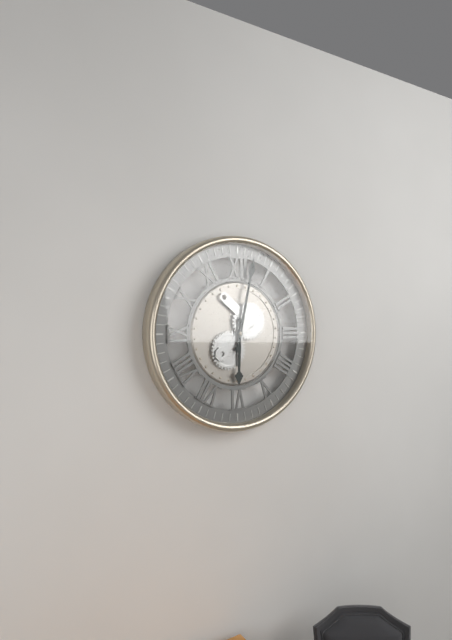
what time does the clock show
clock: 6:02
